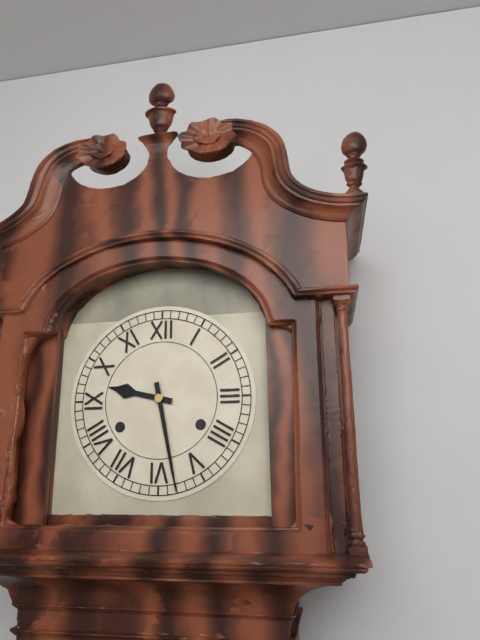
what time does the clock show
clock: 9:28
